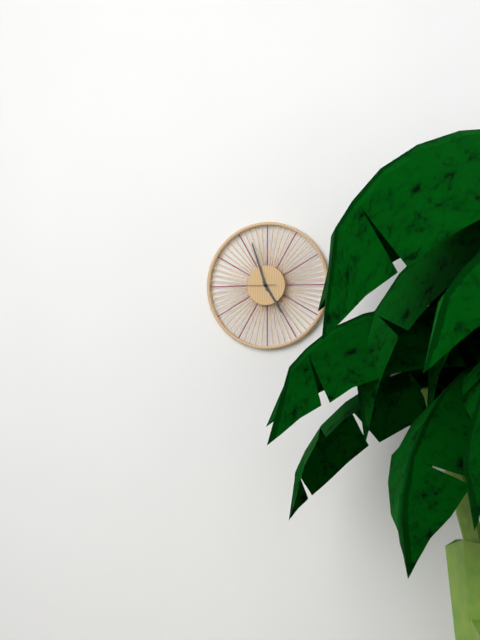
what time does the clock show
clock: 4:57:45
